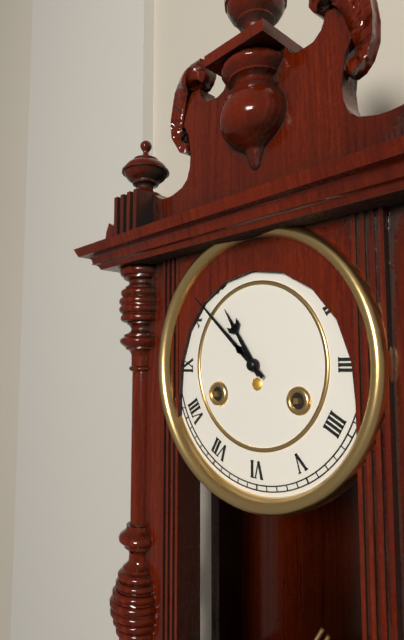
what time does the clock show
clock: 10:52
